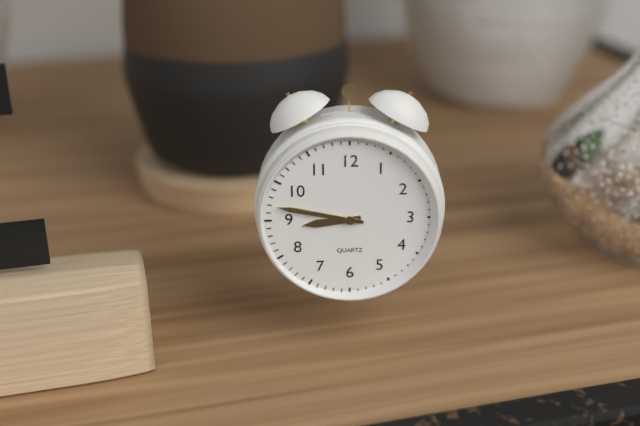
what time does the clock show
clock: 8:47
